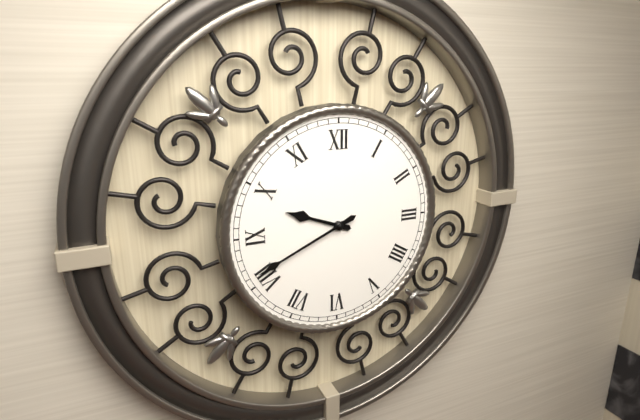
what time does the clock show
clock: 9:41
